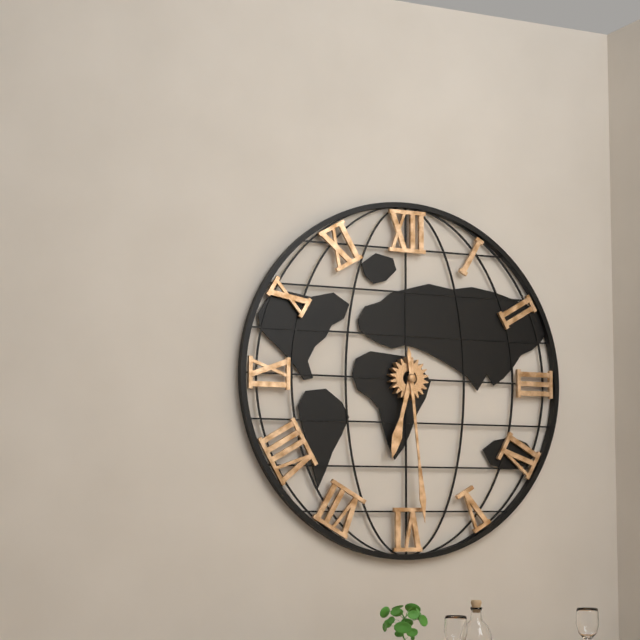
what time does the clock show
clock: 6:29
